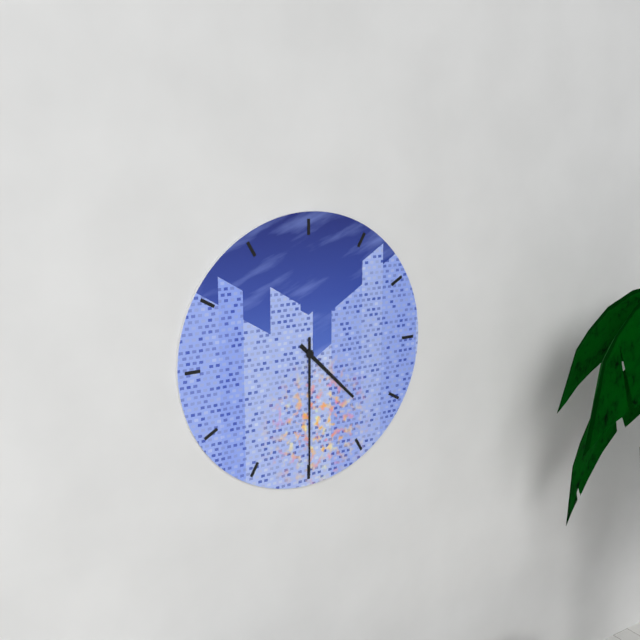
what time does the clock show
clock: 4:30
